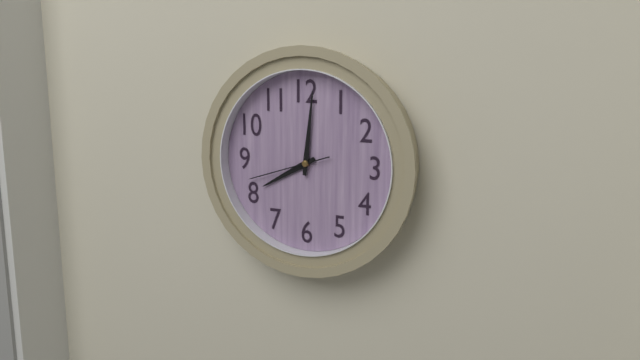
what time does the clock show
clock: 8:01:42
